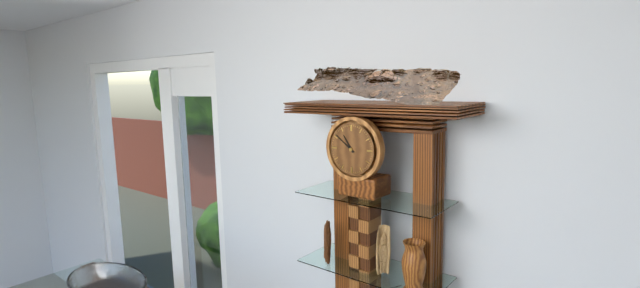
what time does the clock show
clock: 10:51
